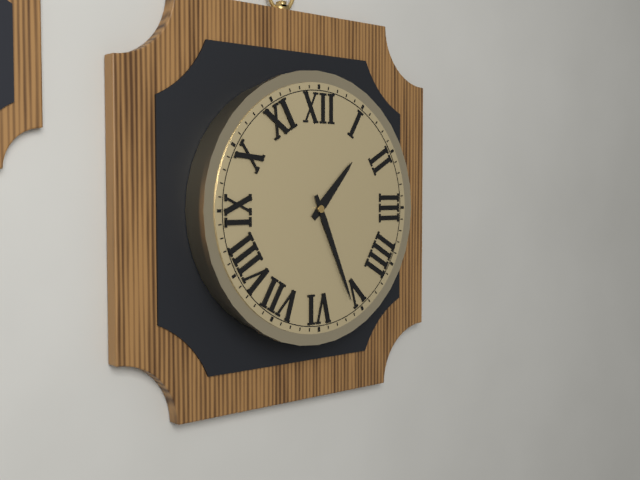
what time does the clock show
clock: 1:26
